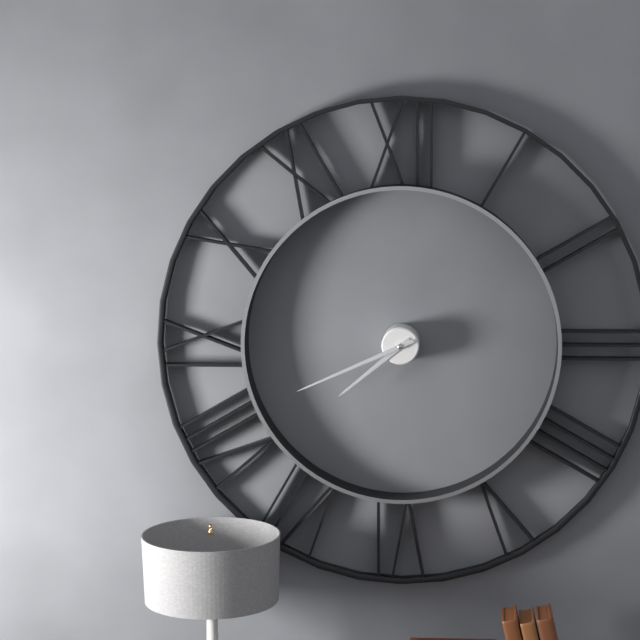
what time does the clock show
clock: 7:41
